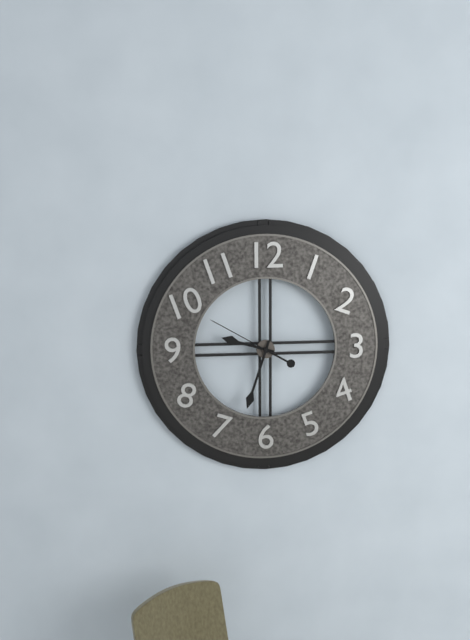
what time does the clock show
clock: 9:33:50
